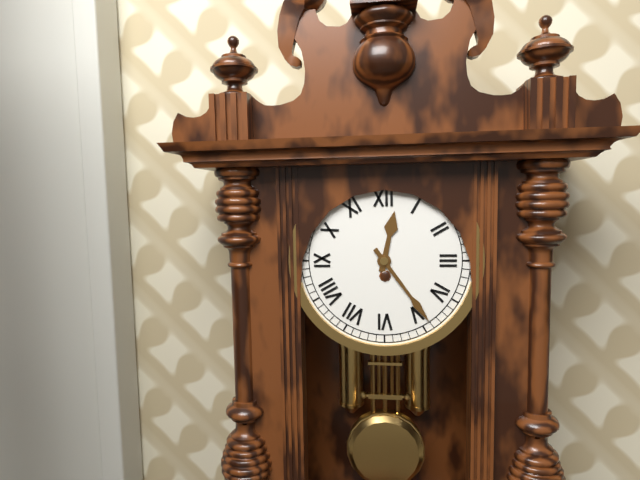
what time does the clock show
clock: 12:24
